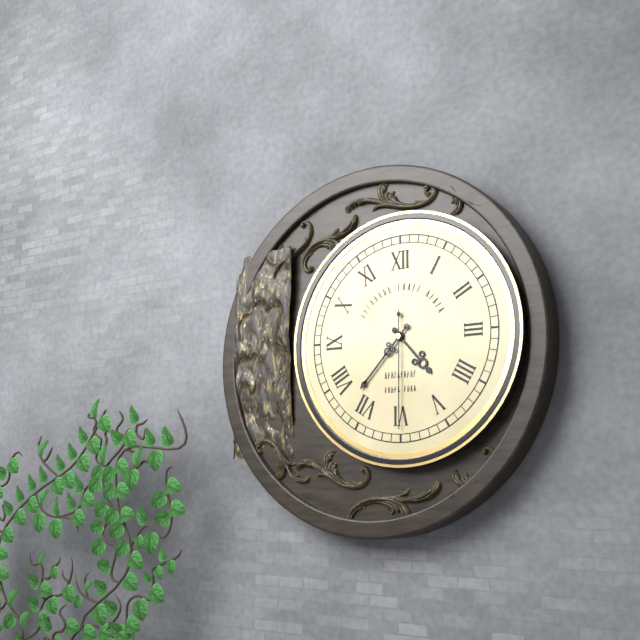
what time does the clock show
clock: 4:37:30
